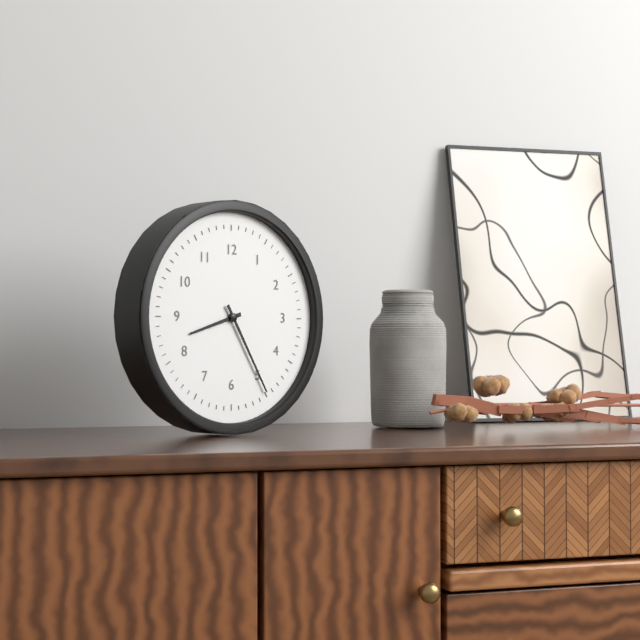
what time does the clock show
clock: 8:25
